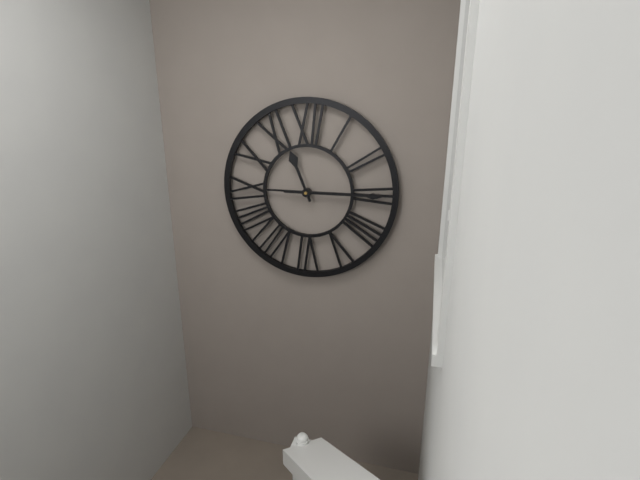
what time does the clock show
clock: 11:15
